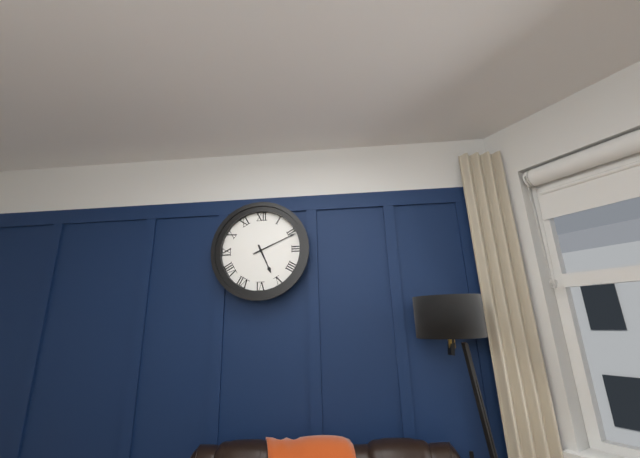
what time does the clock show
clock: 5:11
